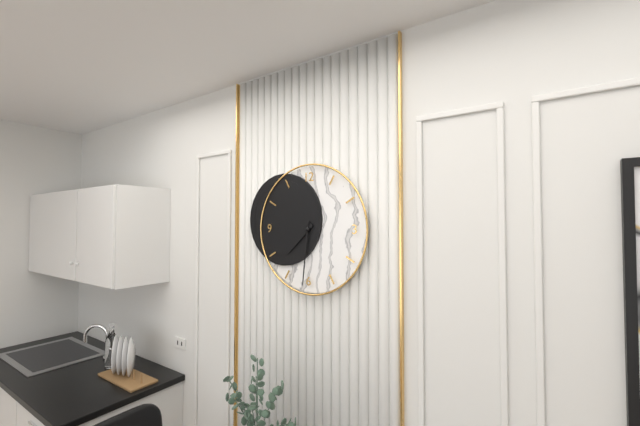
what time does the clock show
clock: 7:31
